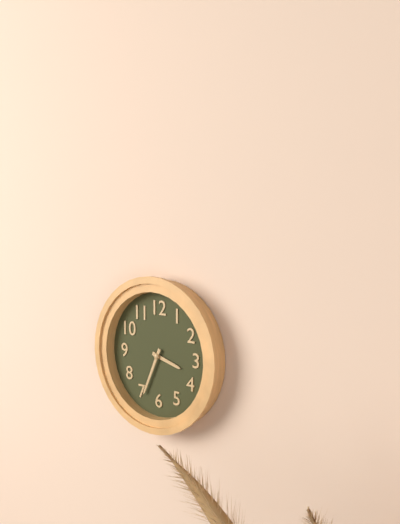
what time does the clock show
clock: 3:34
